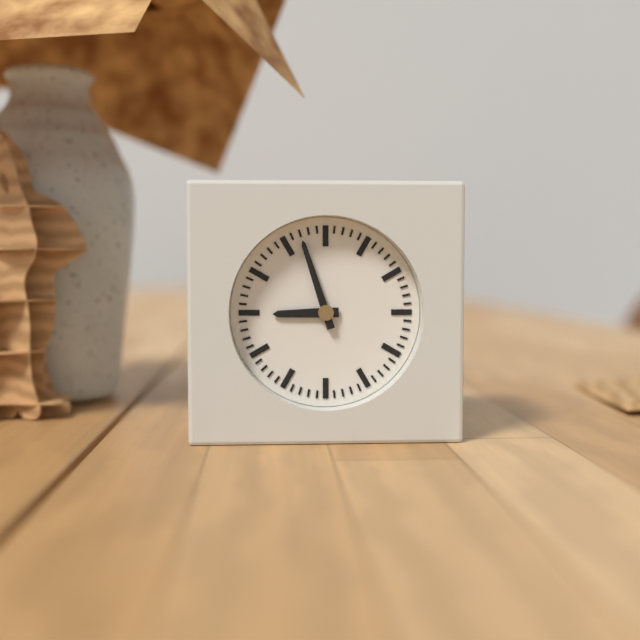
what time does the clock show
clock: 8:57
